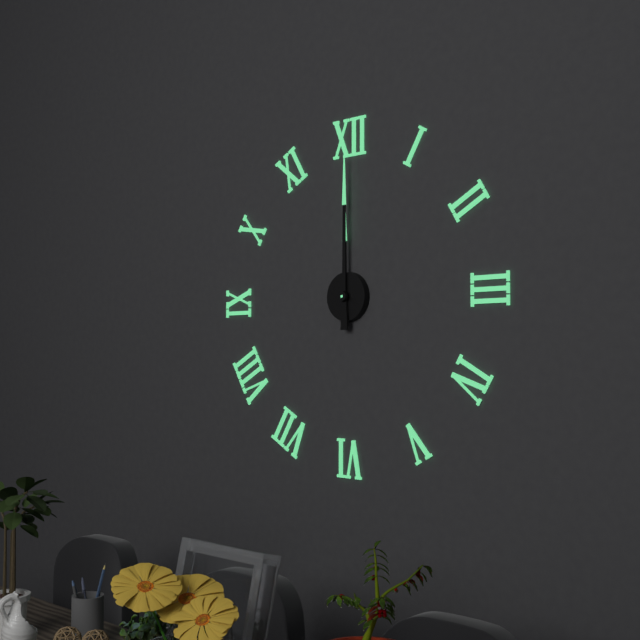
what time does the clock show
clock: 12:00
